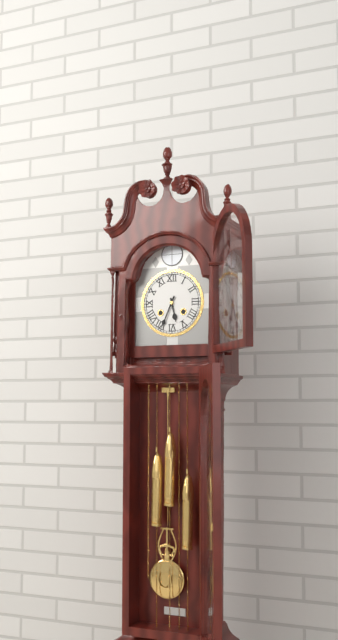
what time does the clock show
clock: 5:34
